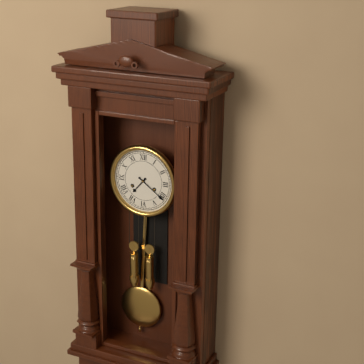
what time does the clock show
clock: 7:21
